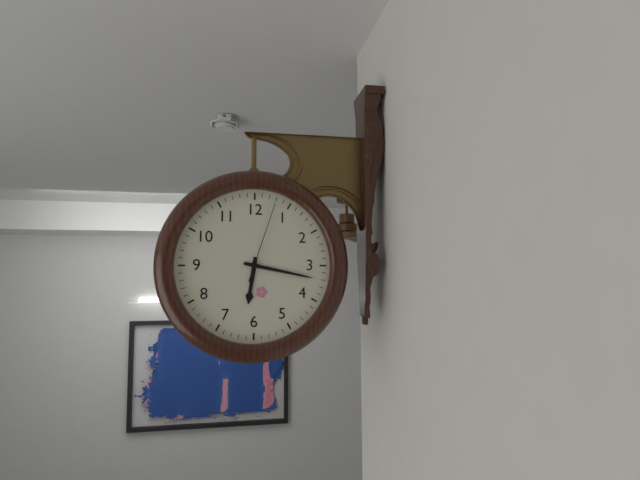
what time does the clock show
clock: 6:17:03
